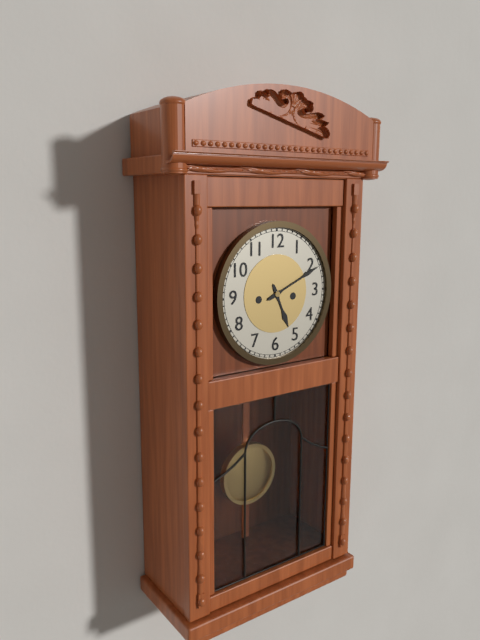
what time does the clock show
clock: 5:11
